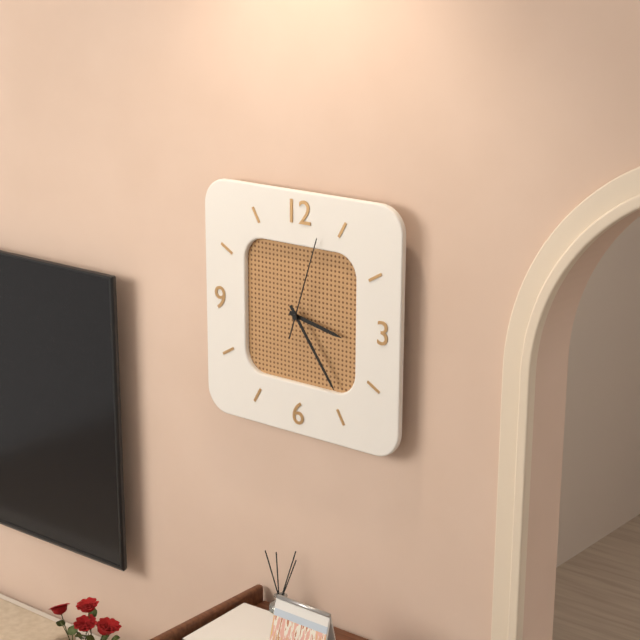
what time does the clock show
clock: 3:24:03
